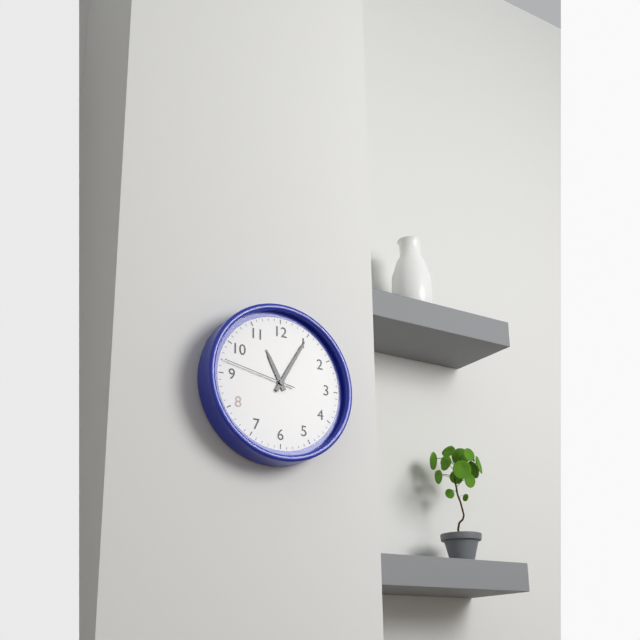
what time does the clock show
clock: 11:05:47
